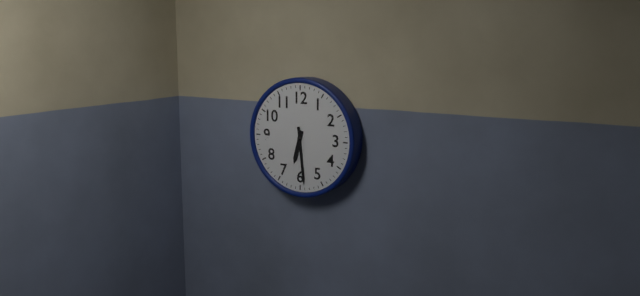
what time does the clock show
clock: 6:29
